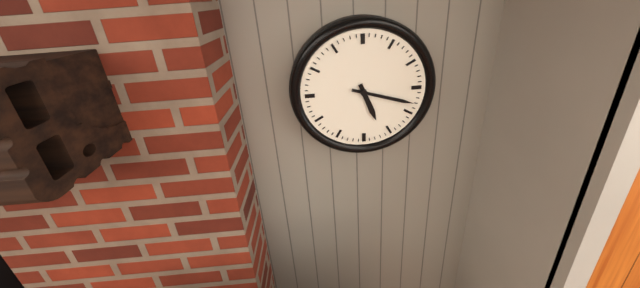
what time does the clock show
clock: 5:18
